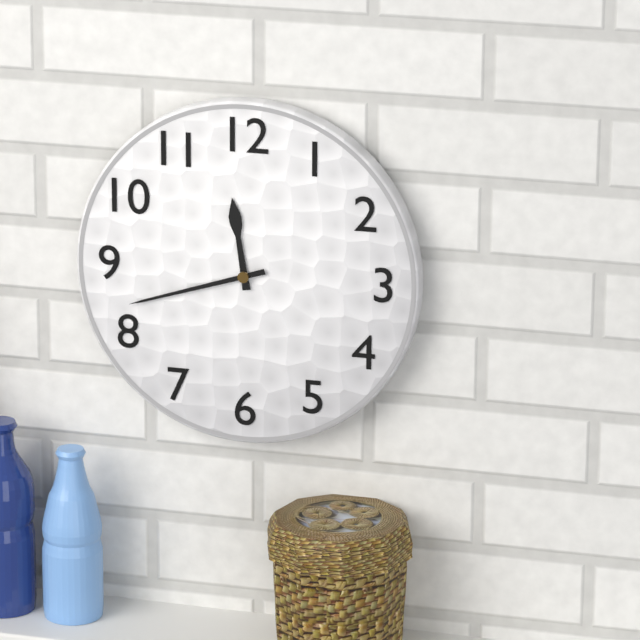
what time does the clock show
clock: 11:42
